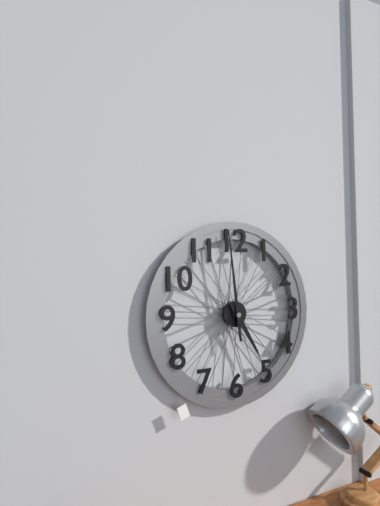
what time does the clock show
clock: 4:59
